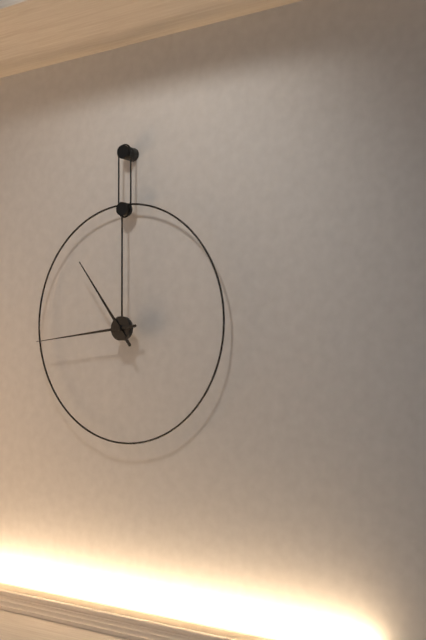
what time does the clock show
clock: 10:44
